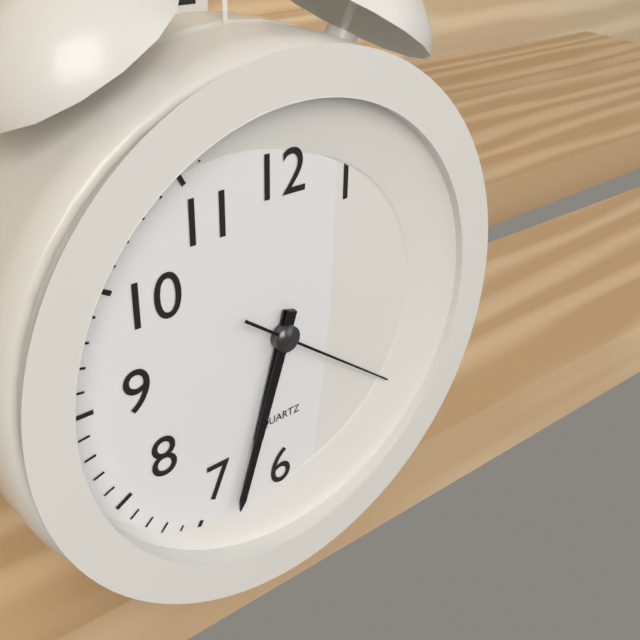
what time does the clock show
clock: 6:33:21
